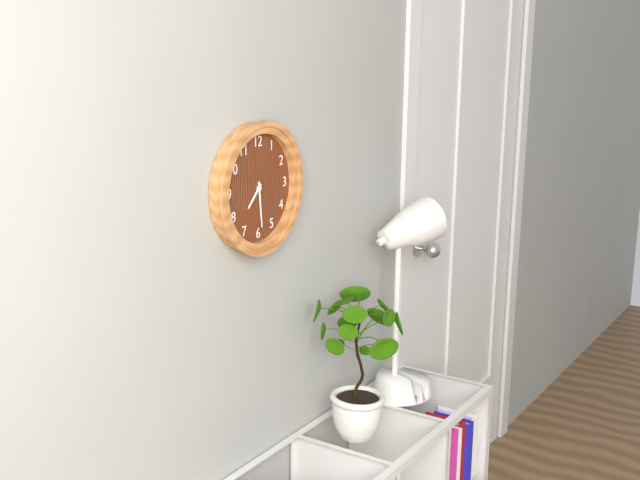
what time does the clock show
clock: 7:29
